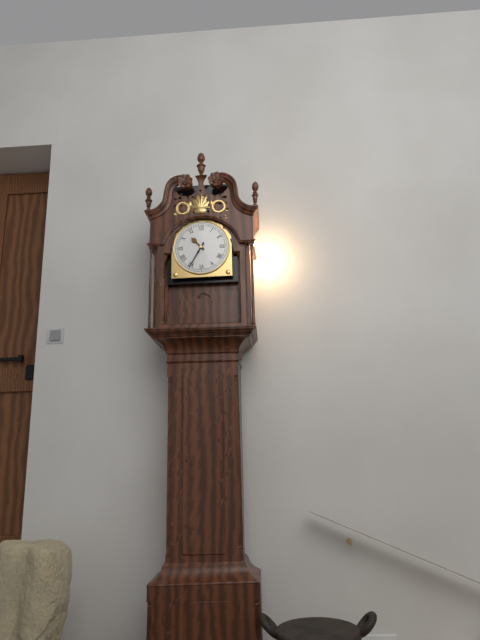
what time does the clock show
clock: 10:35
